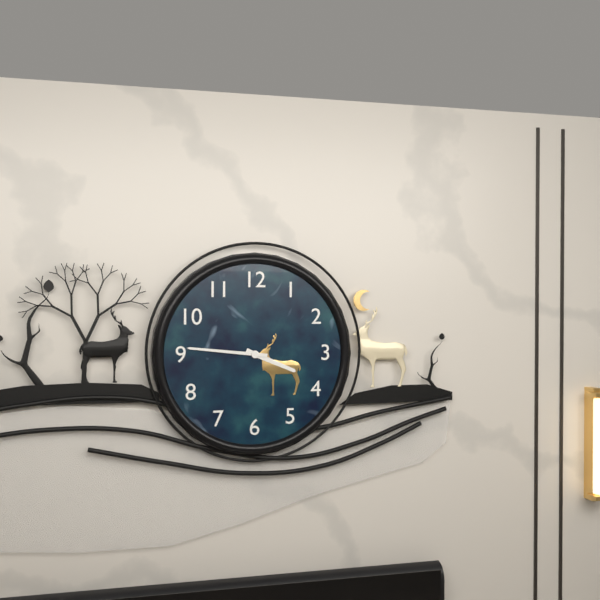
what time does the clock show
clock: 3:46
